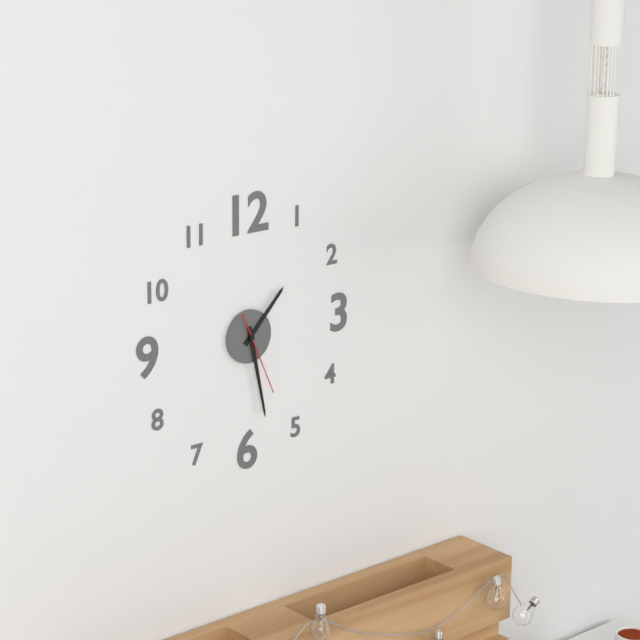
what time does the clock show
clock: 1:28:26
